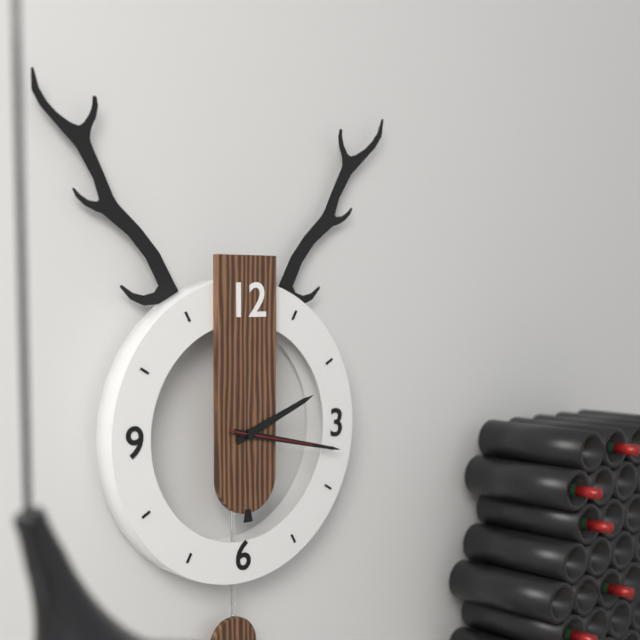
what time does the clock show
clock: 2:17:17
